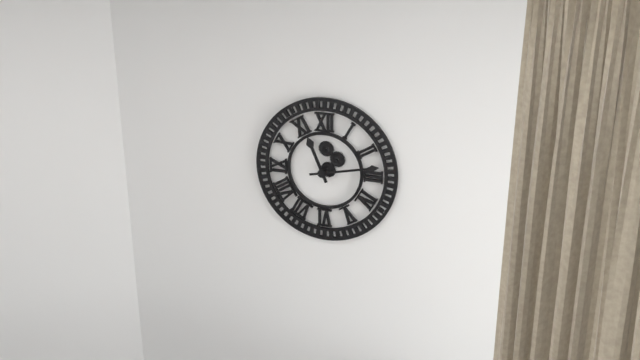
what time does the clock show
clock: 11:13
